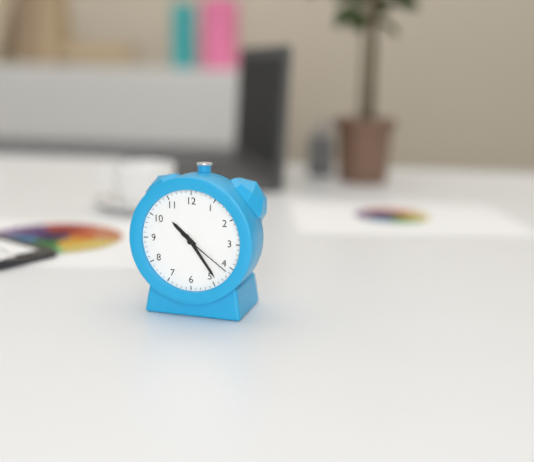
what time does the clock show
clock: 10:24:21
